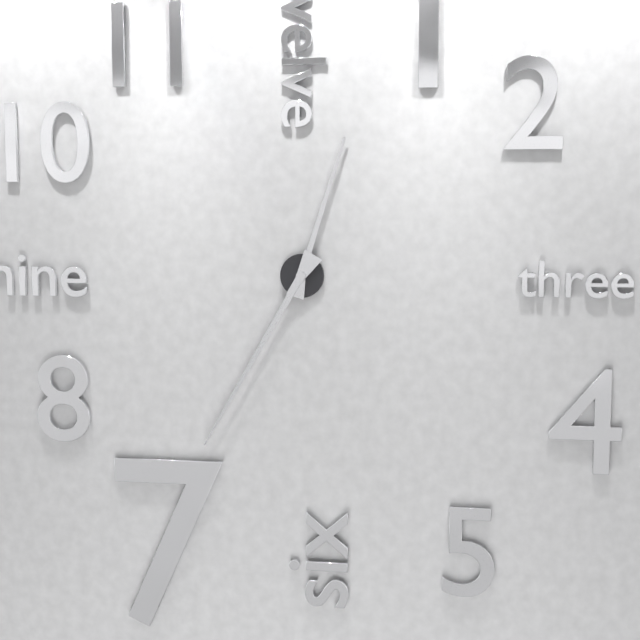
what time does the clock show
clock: 12:35
